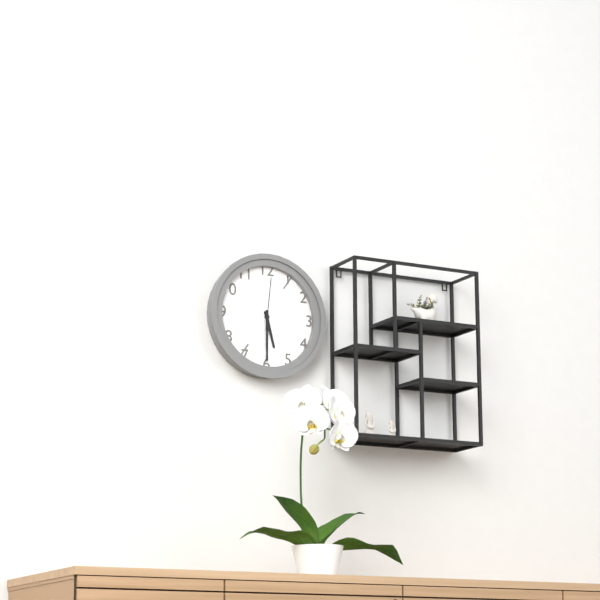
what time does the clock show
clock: 5:30:01
